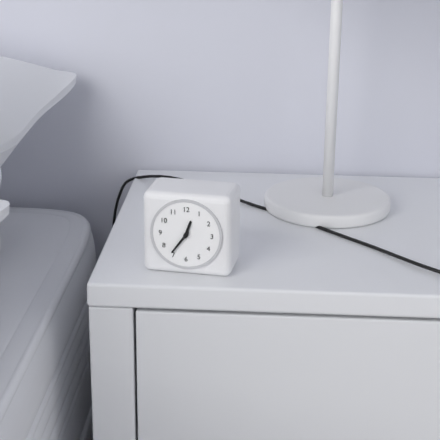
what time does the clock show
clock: 12:36
